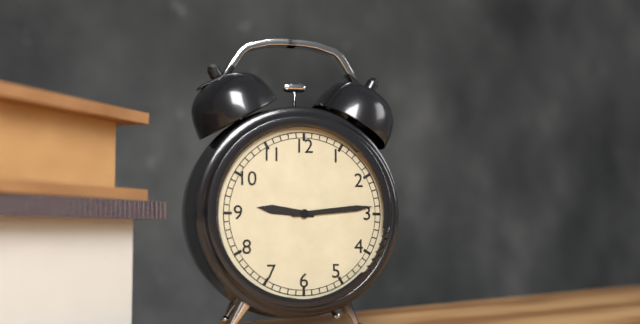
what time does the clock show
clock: 9:14
